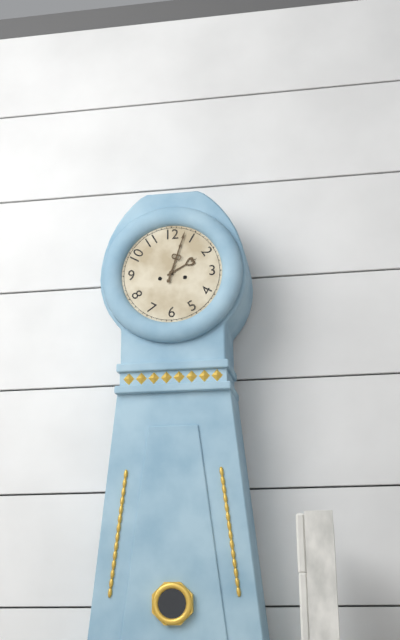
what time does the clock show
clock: 2:03
